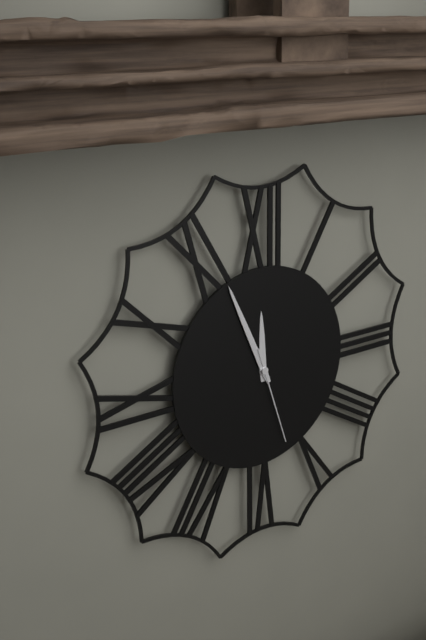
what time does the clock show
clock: 11:56:27
